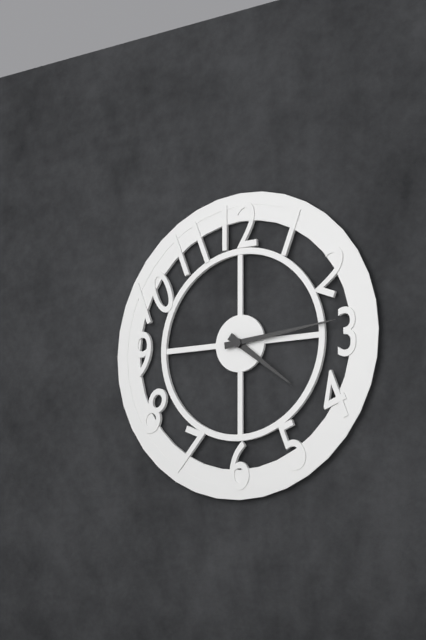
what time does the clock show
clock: 4:14
